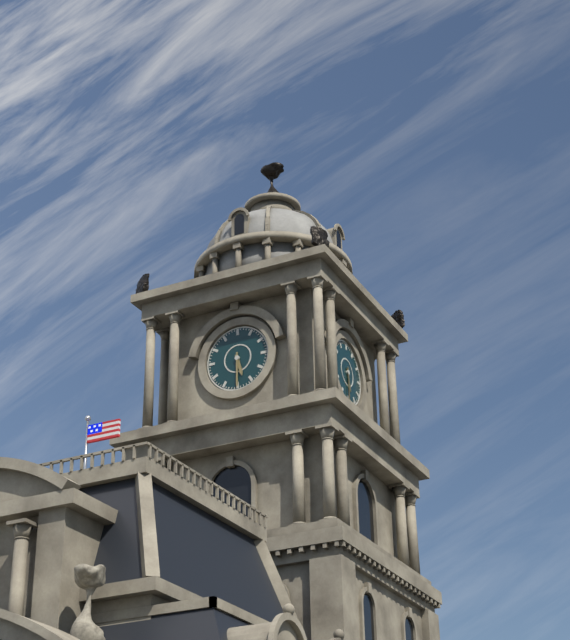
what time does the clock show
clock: 5:30
